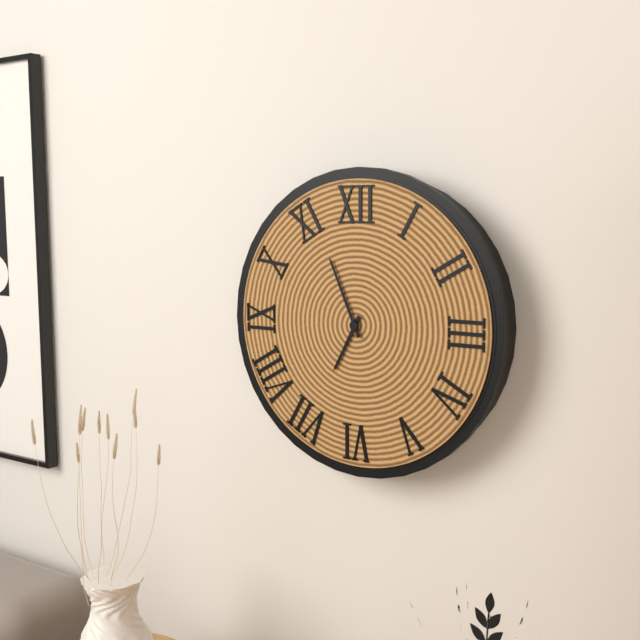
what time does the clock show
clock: 6:56
